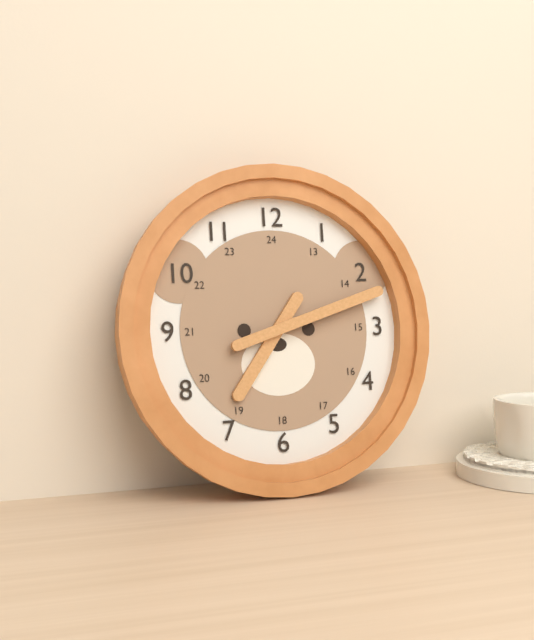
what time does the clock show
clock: 7:12
